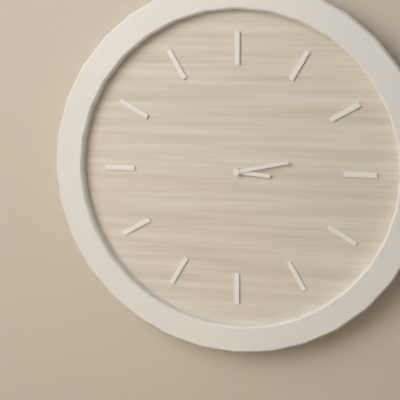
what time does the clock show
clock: 3:13
